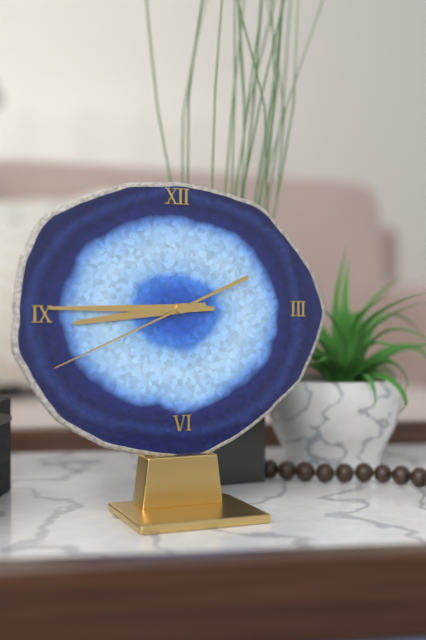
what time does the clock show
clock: 8:45:41
